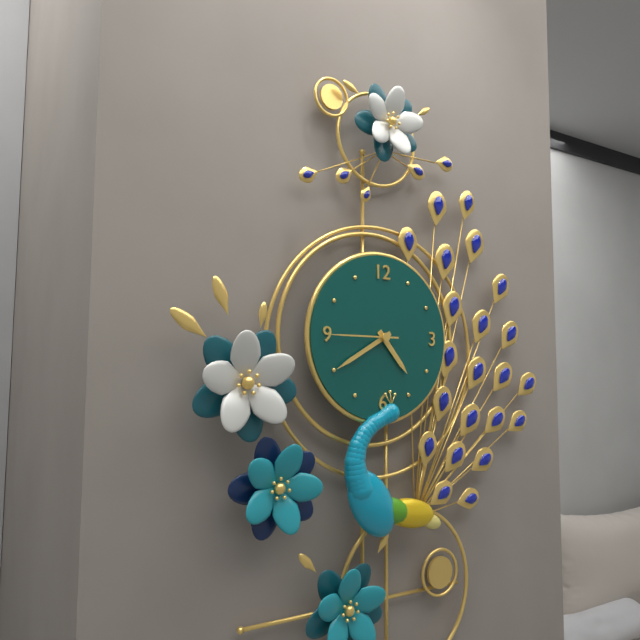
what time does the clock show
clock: 4:40:45
